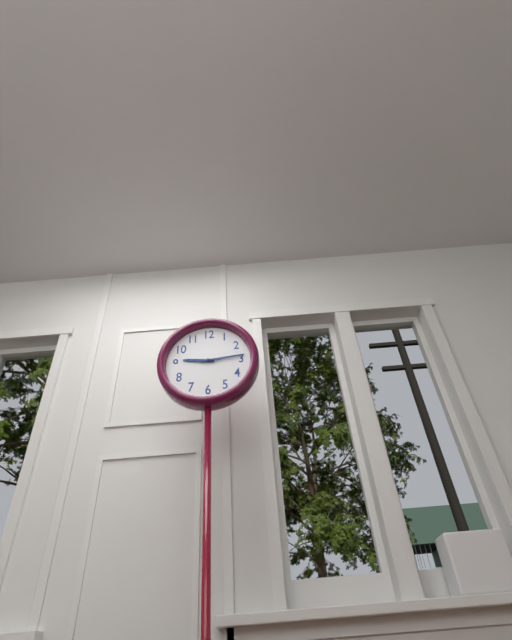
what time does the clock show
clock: 9:14
